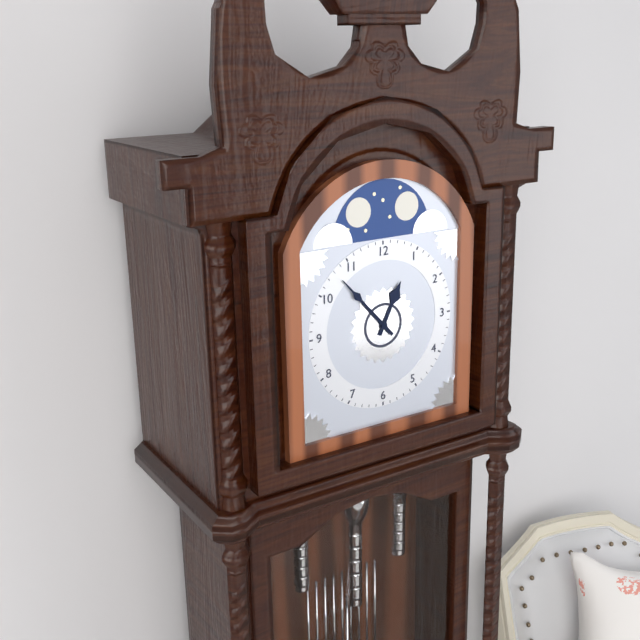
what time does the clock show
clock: 12:53
